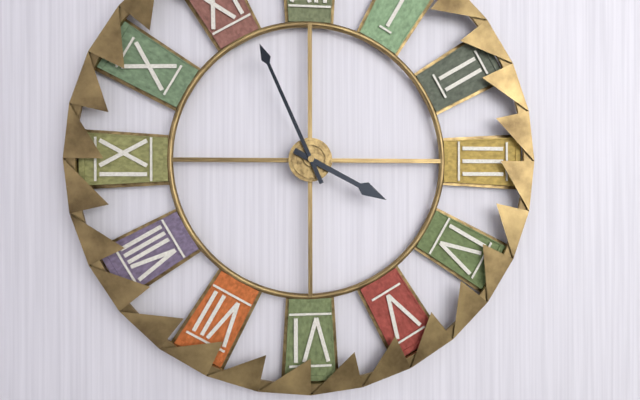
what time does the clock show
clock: 3:56
